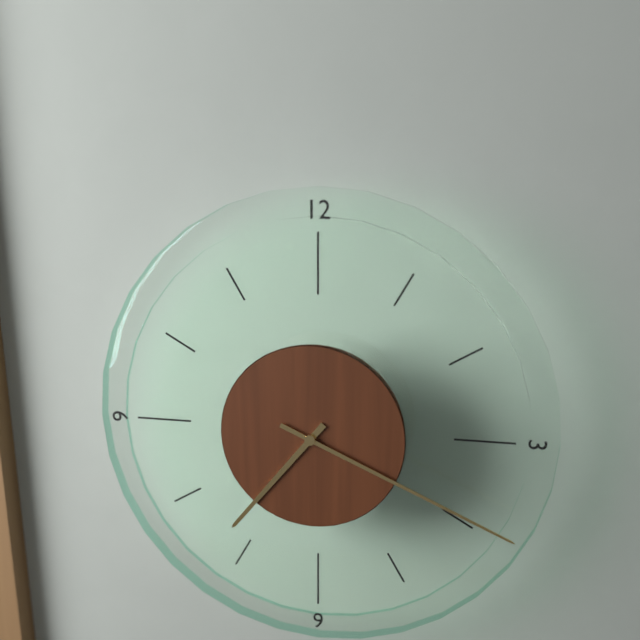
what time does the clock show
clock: 7:19
